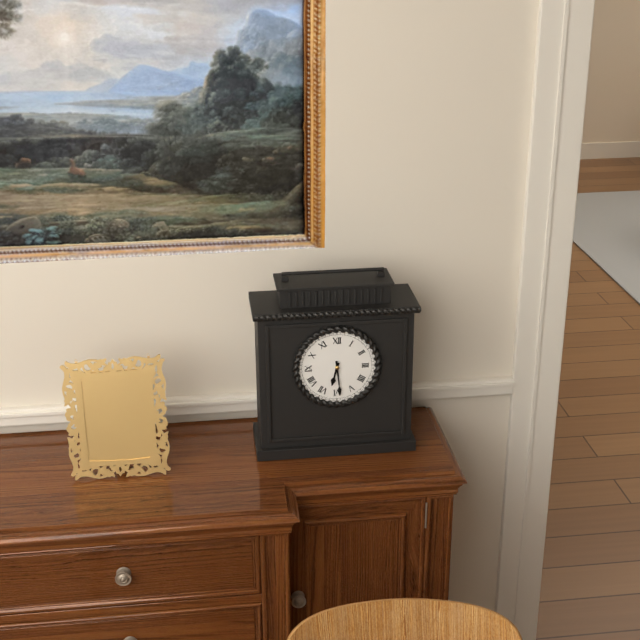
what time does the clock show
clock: 6:29
